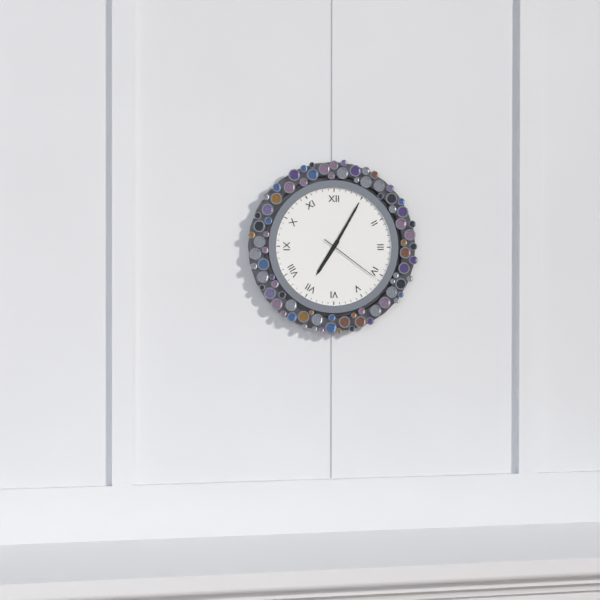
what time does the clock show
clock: 7:05:21
